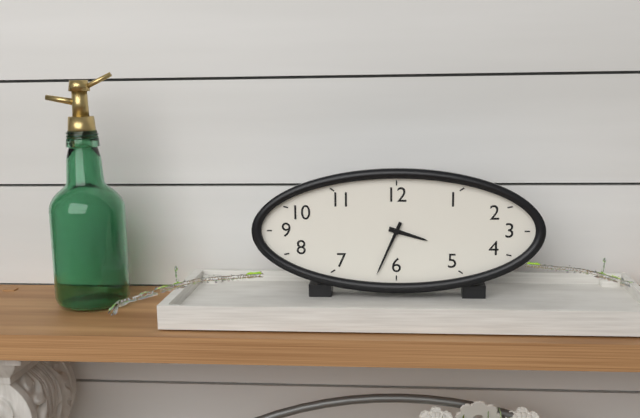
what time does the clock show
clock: 3:34
